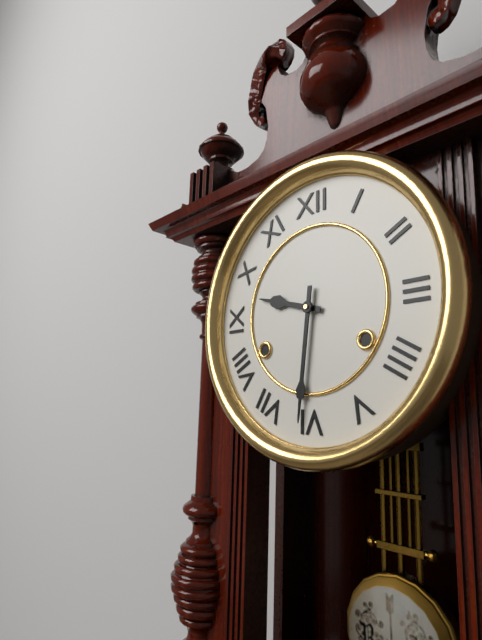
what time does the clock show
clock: 9:31
